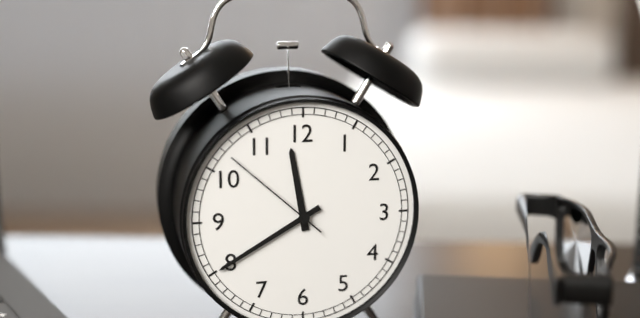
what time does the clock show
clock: 11:40:52
